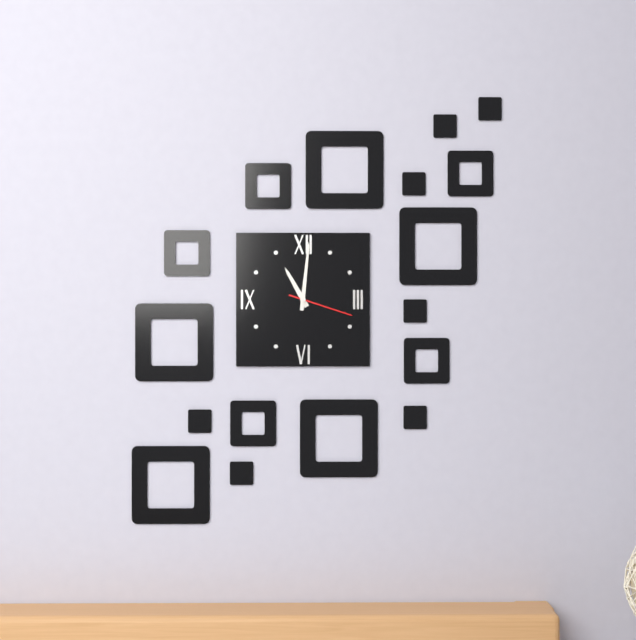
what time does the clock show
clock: 11:01:18
